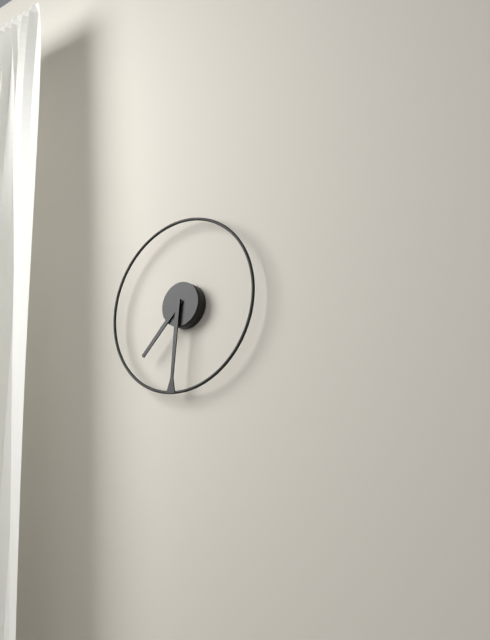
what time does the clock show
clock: 7:31
